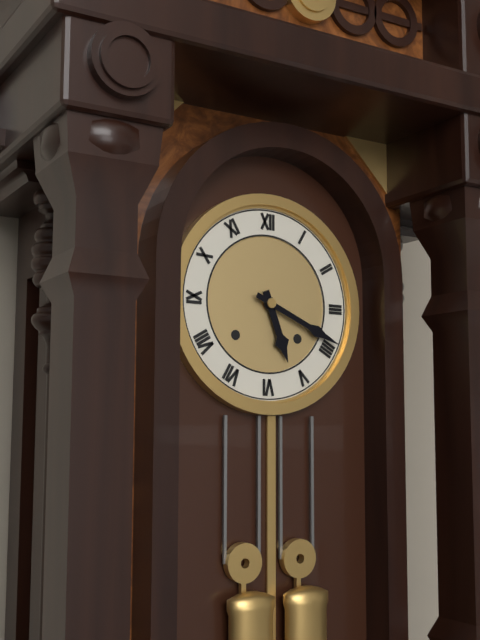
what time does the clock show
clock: 5:19
